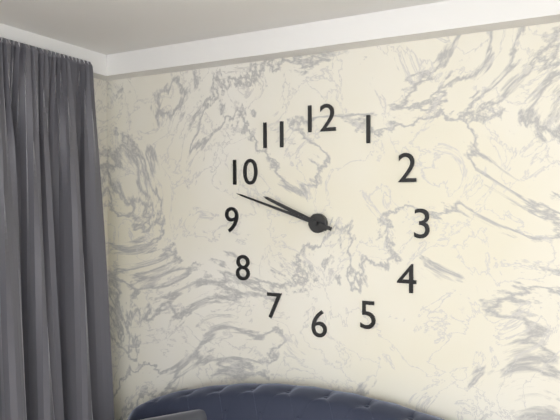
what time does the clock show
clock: 9:48
